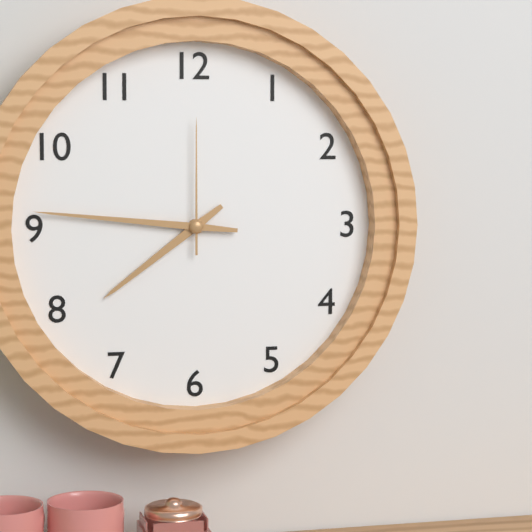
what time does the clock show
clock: 7:46:00
